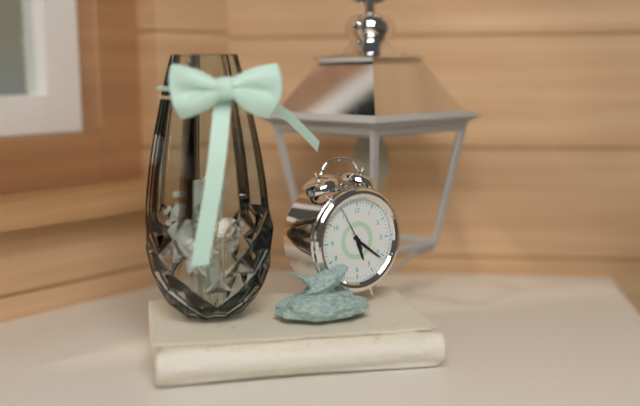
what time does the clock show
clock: 5:21
